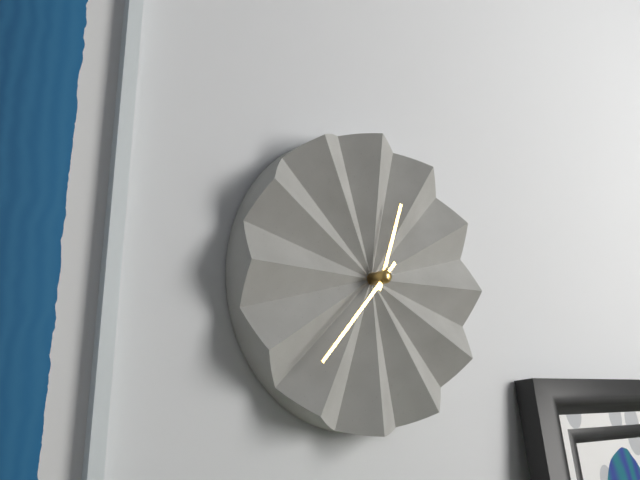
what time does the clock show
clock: 12:37
